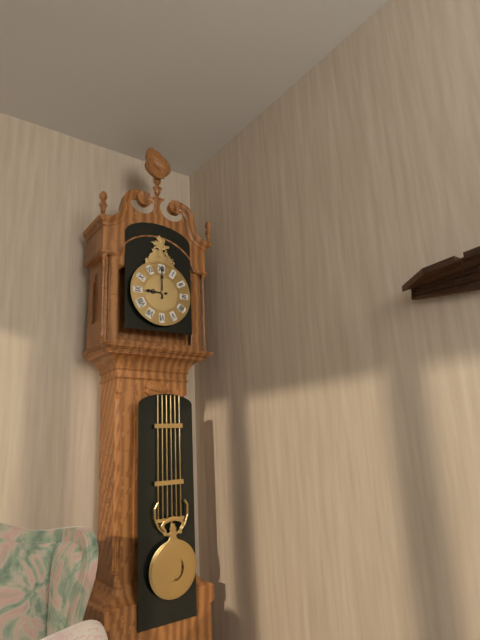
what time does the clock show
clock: 9:00
